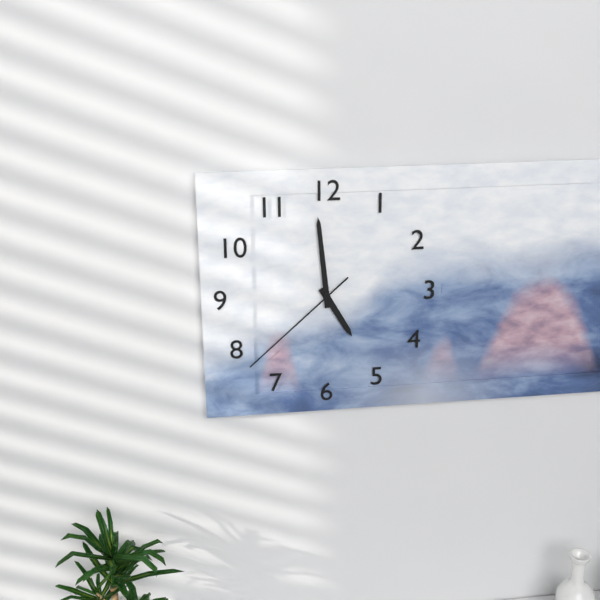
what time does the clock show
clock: 4:59:38
